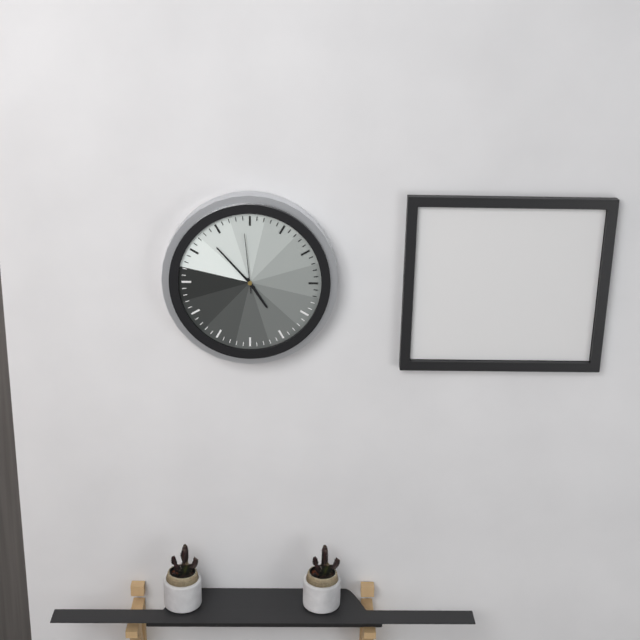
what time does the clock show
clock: 4:53:59
